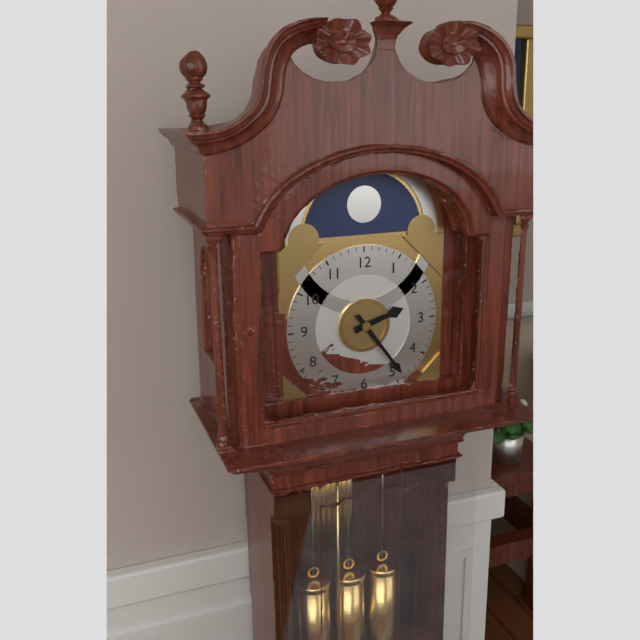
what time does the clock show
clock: 2:24
